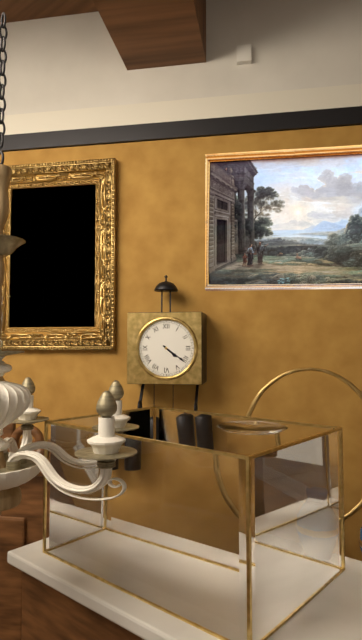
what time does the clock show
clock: 4:21
